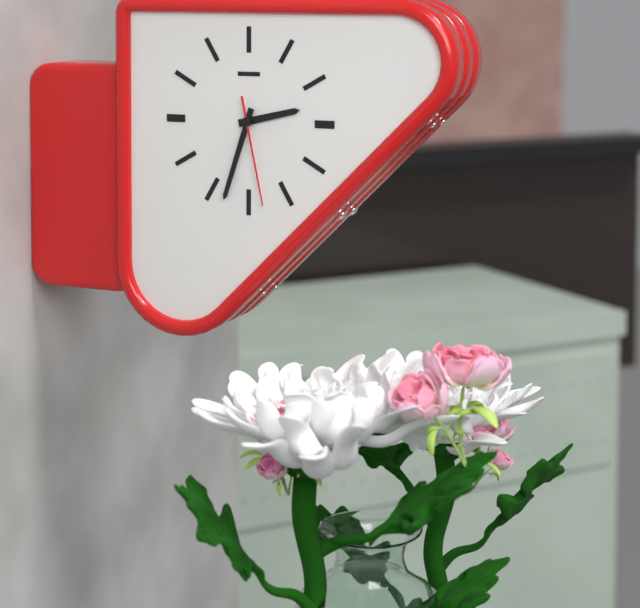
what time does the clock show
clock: 2:33:28
